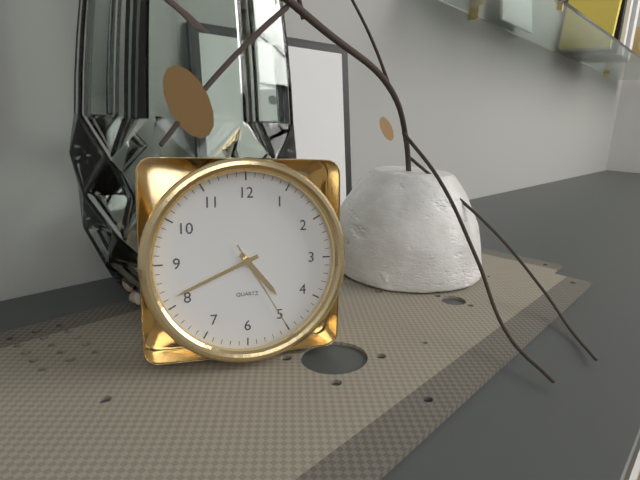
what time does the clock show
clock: 4:41:25
